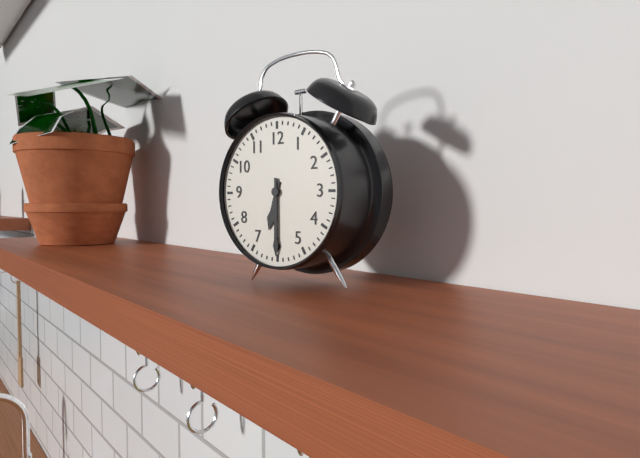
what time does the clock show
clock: 6:30
